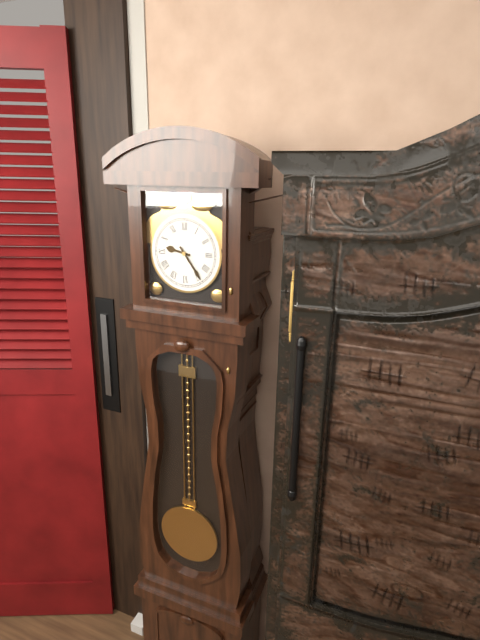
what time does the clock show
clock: 9:24
